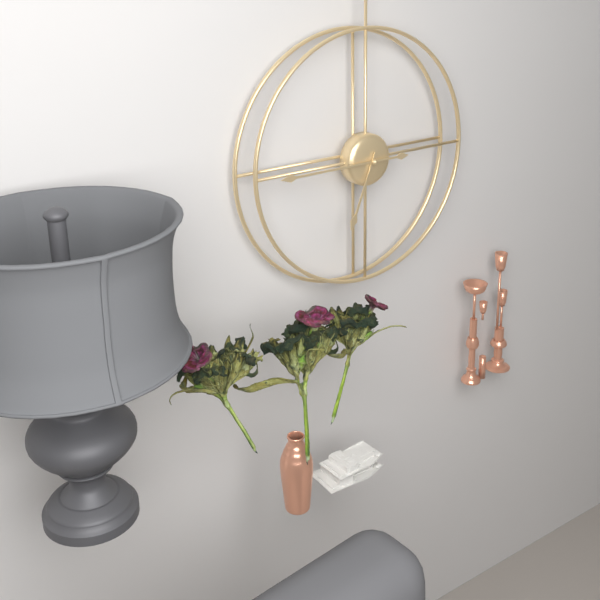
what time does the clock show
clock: 6:45
